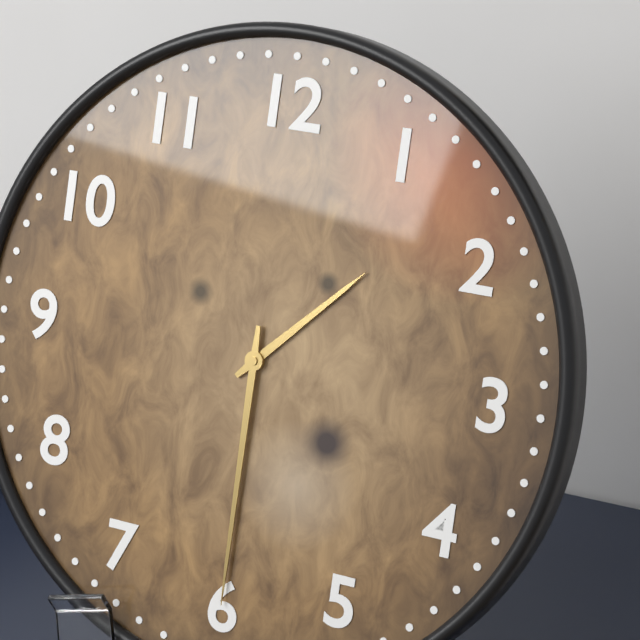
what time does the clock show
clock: 1:30
